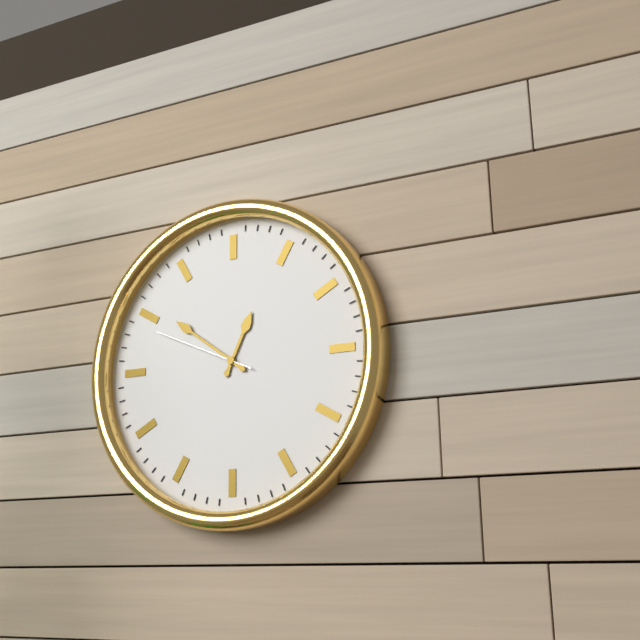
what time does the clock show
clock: 12:51:49
